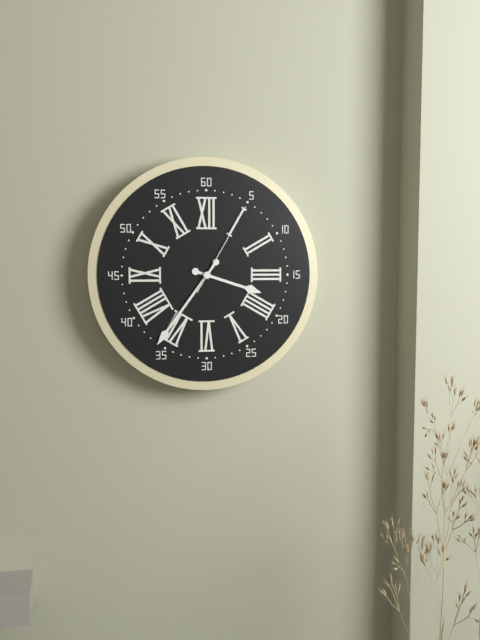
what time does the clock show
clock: 3:36:05
